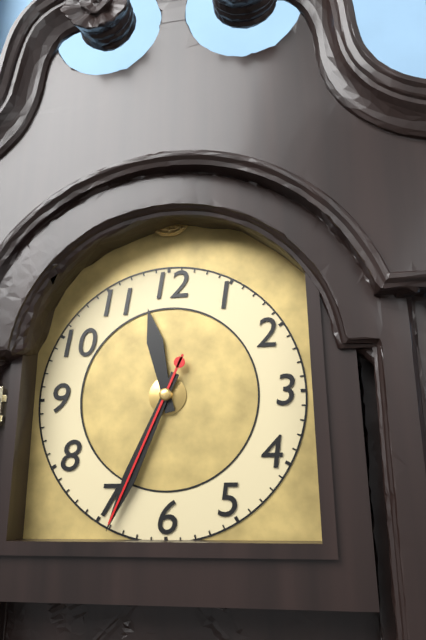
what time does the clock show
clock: 11:34:34
